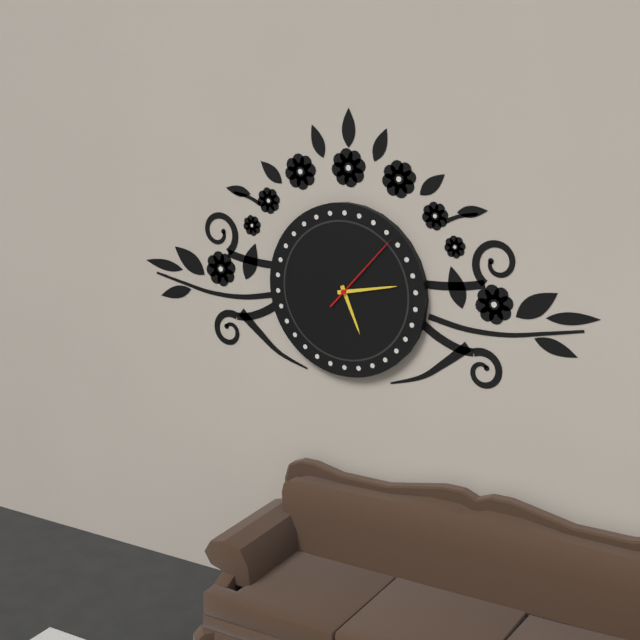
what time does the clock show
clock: 5:13:07
